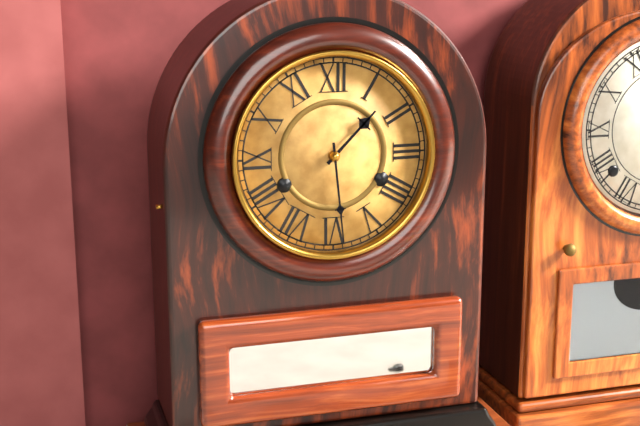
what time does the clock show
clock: 1:29
